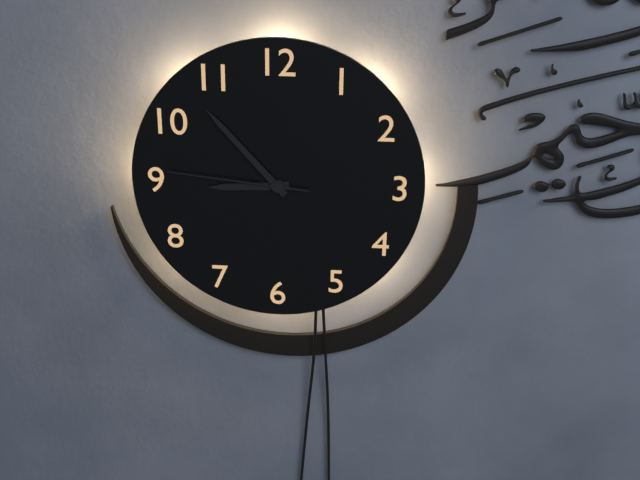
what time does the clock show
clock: 8:53:46
